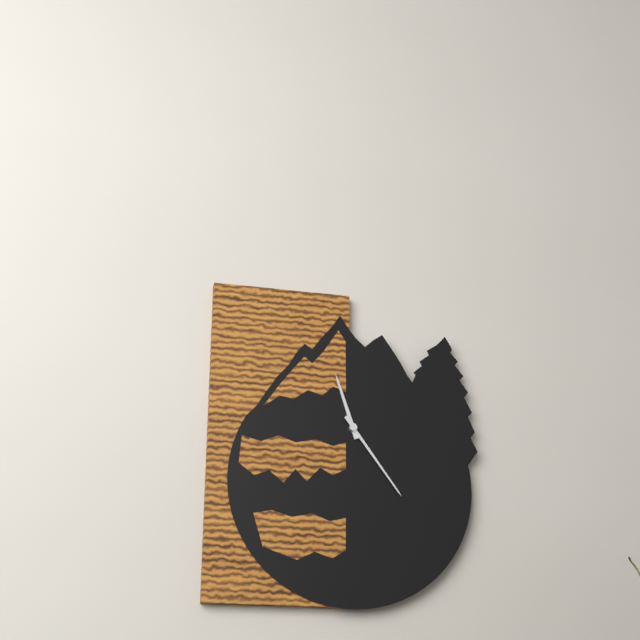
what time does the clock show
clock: 11:24
